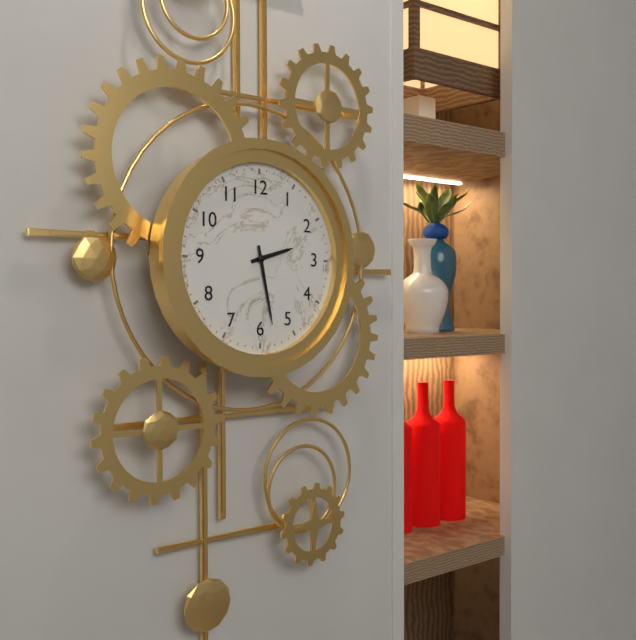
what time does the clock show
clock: 2:28
